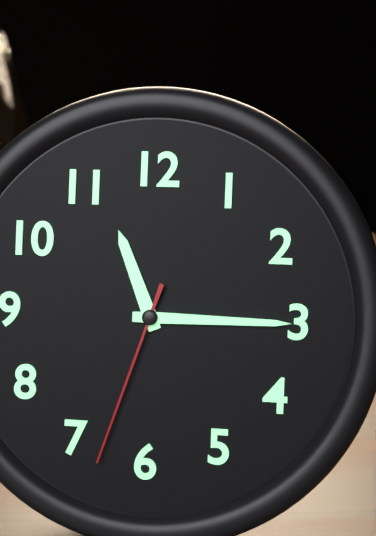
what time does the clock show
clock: 11:15:33
